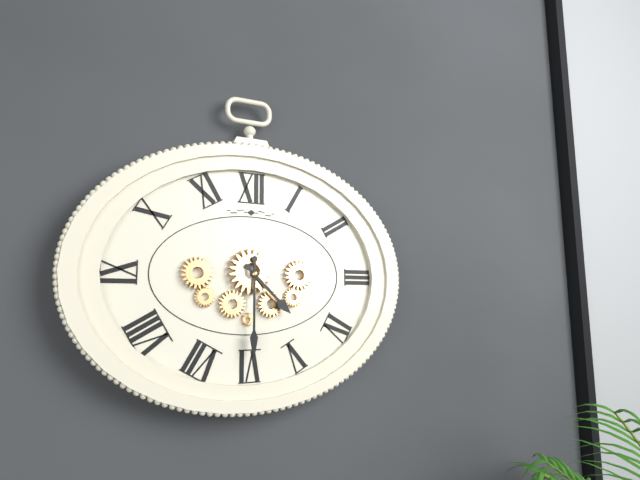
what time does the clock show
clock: 4:30
